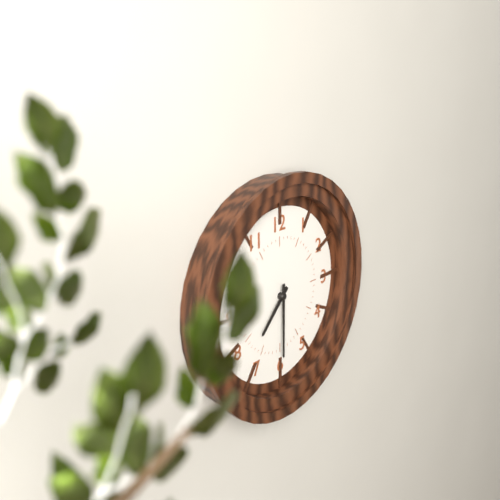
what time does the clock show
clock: 7:30
